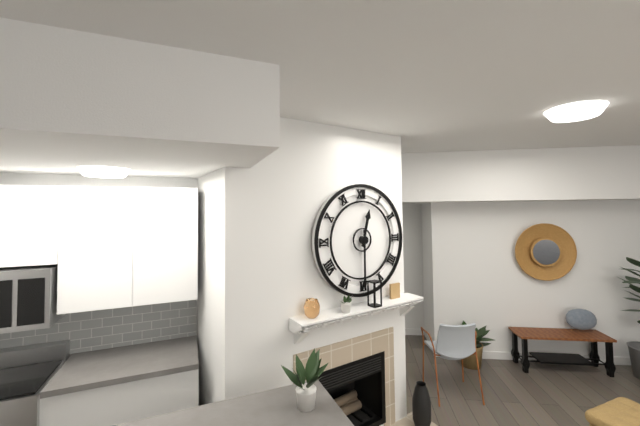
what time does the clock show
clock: 12:30
